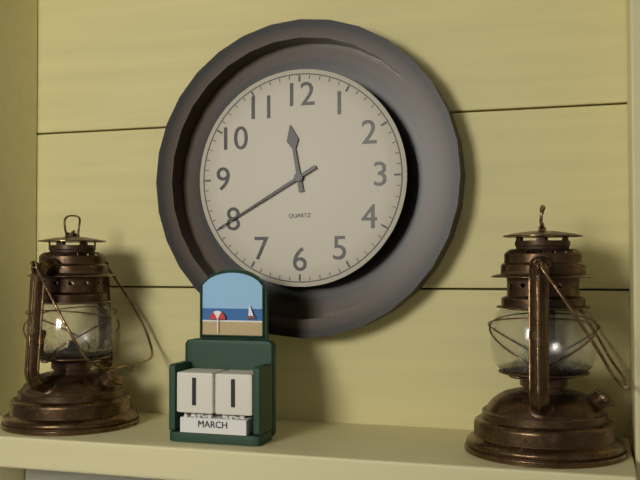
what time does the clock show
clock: 11:40
